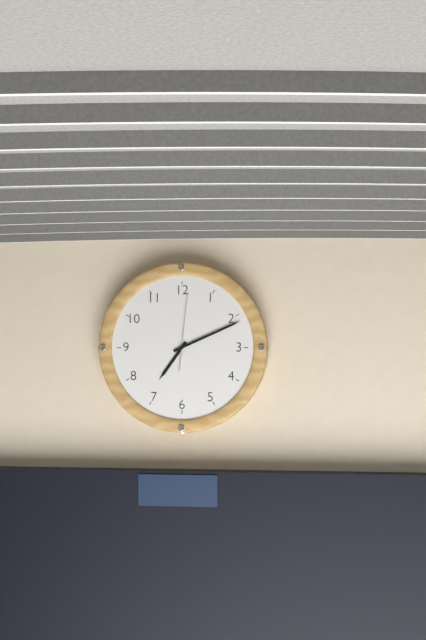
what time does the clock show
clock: 7:11:01
